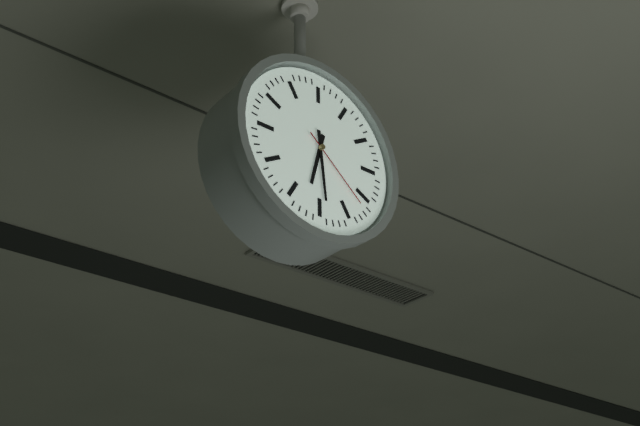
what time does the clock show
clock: 6:29:22
